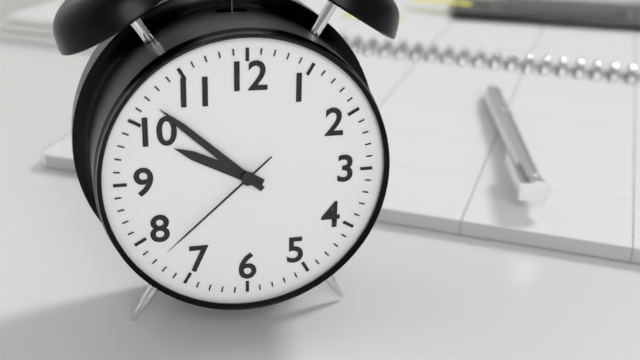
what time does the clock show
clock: 9:52:38
